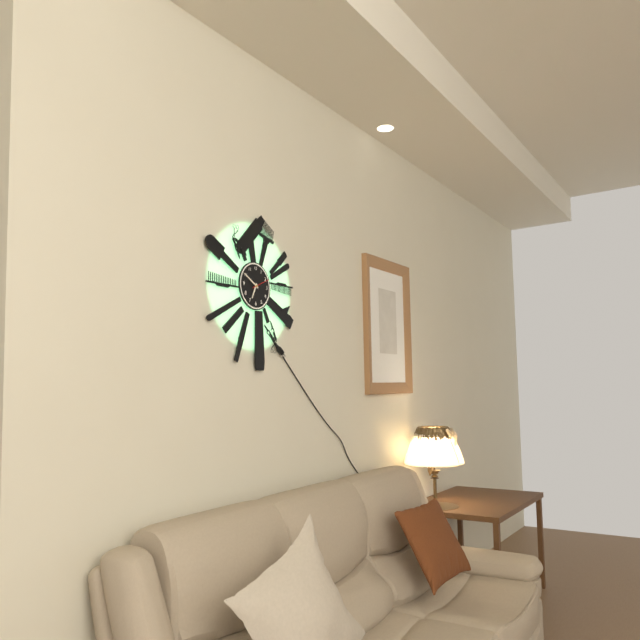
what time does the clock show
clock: 6:50
